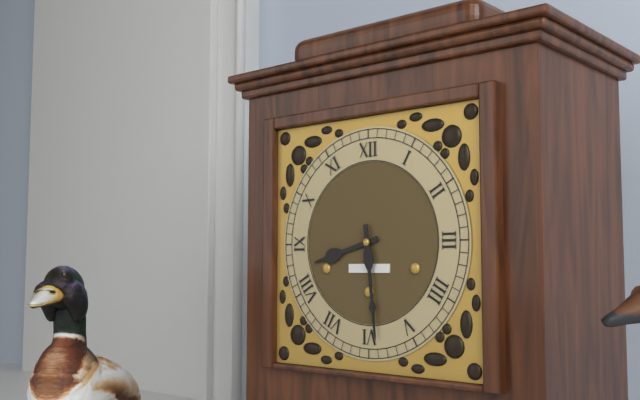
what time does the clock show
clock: 8:29
